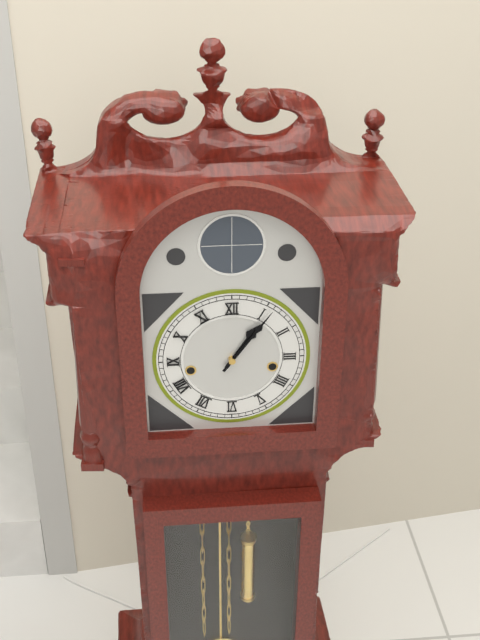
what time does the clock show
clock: 1:06
